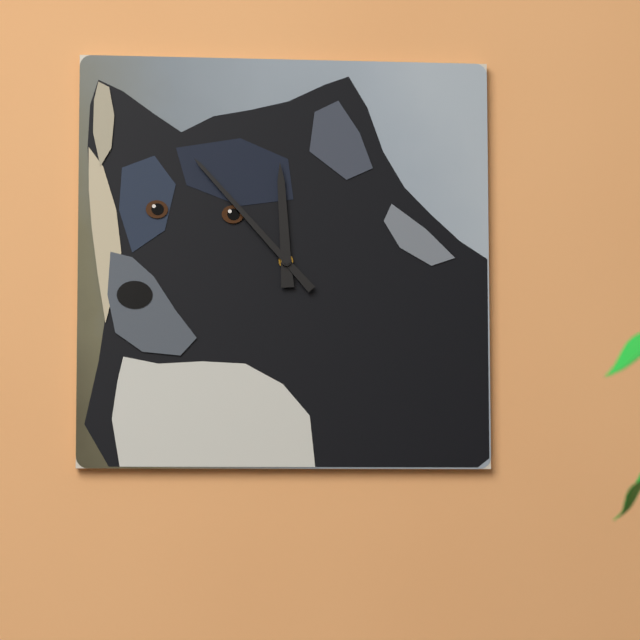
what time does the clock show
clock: 11:53
